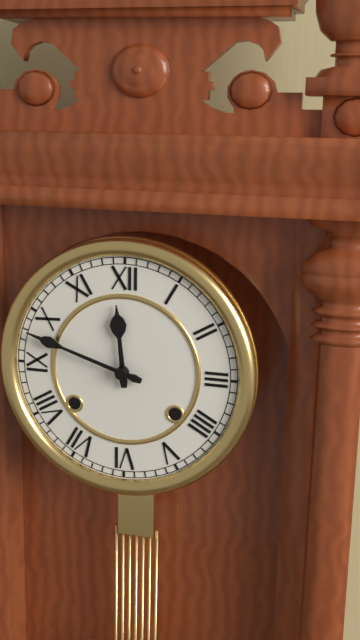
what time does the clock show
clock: 11:48
